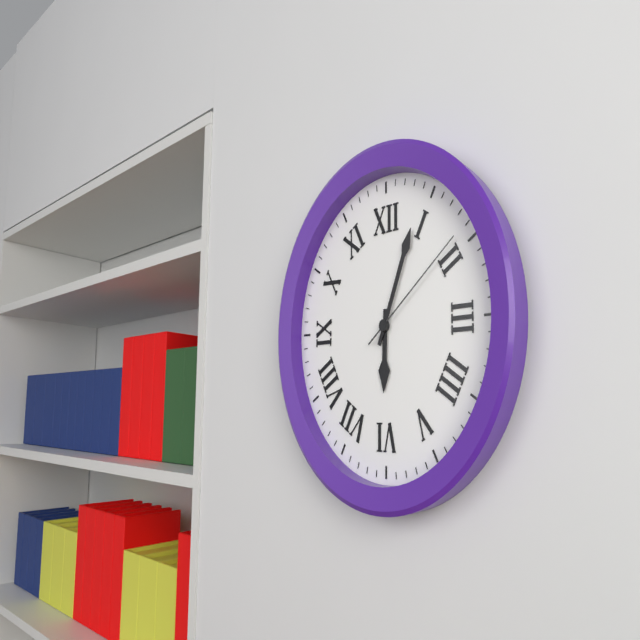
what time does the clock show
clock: 6:04:09
